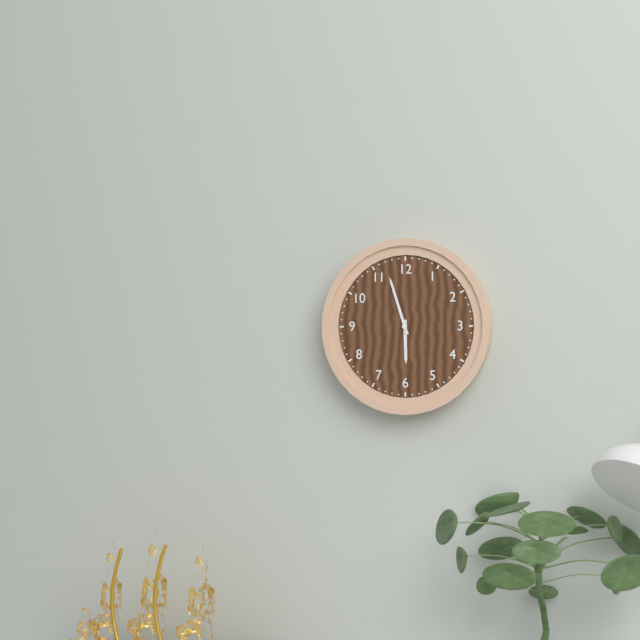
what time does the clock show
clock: 5:57
